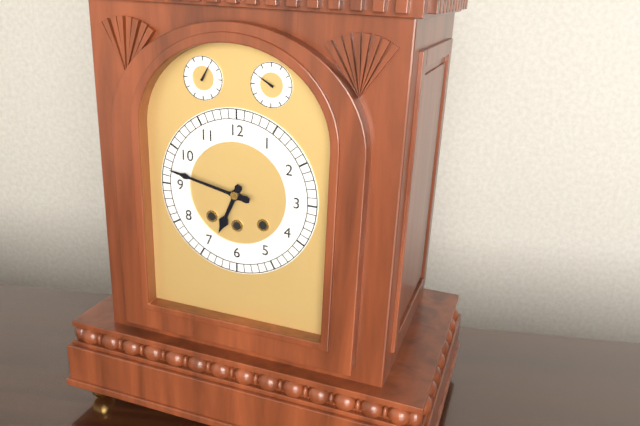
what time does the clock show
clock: 6:47
